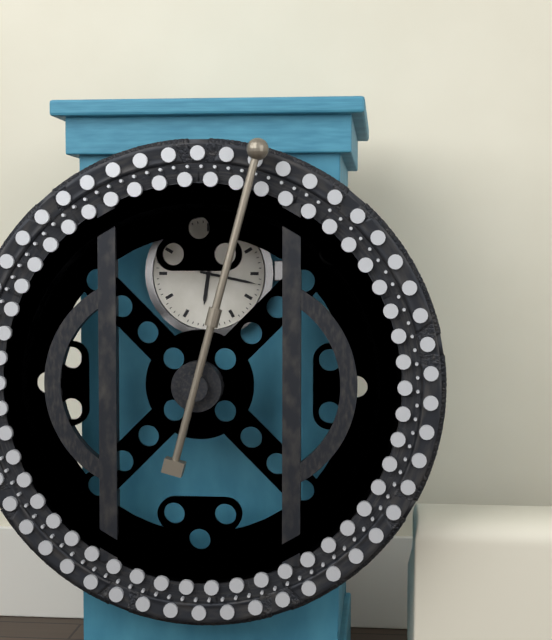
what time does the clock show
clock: 6:17
